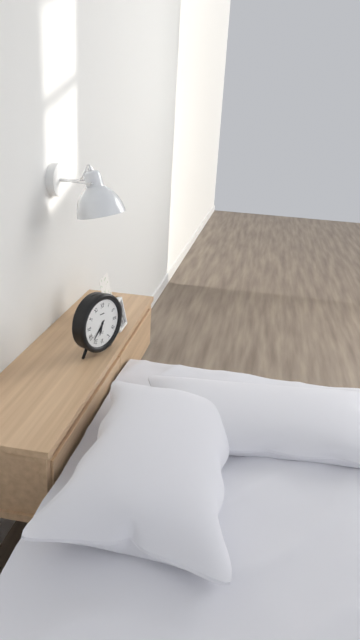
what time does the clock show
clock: 6:37
